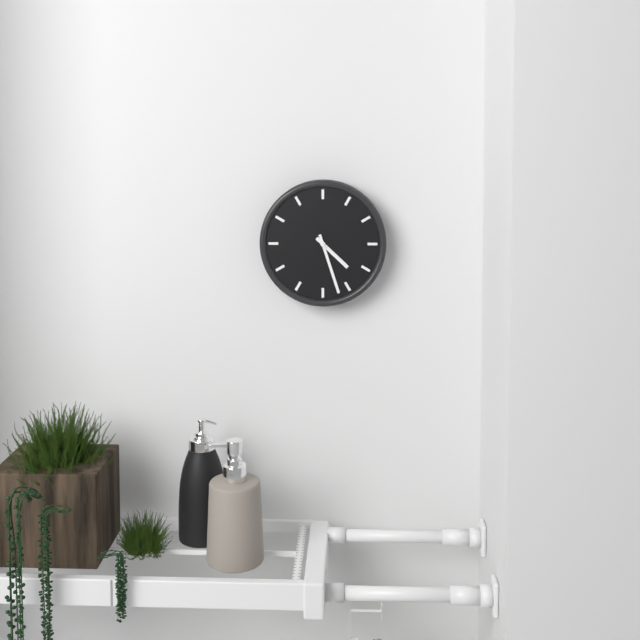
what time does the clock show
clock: 4:27
